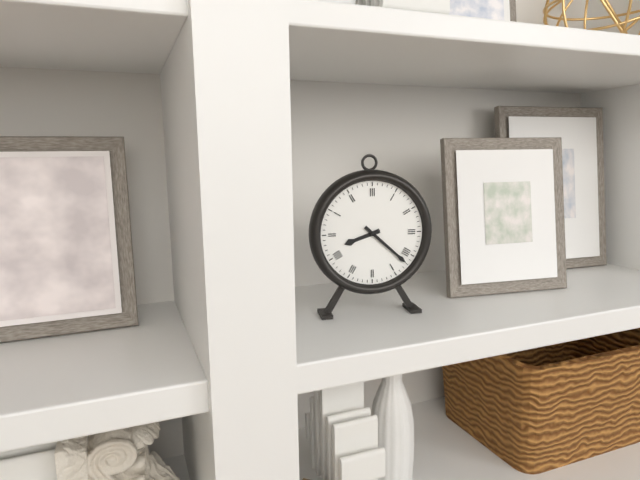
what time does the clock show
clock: 8:22
